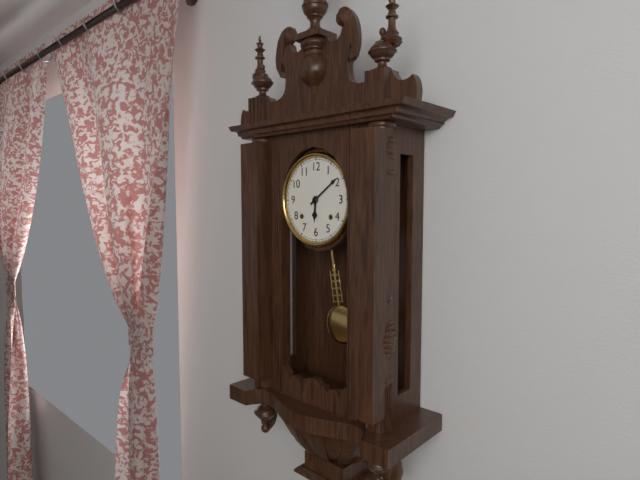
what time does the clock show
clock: 6:09
